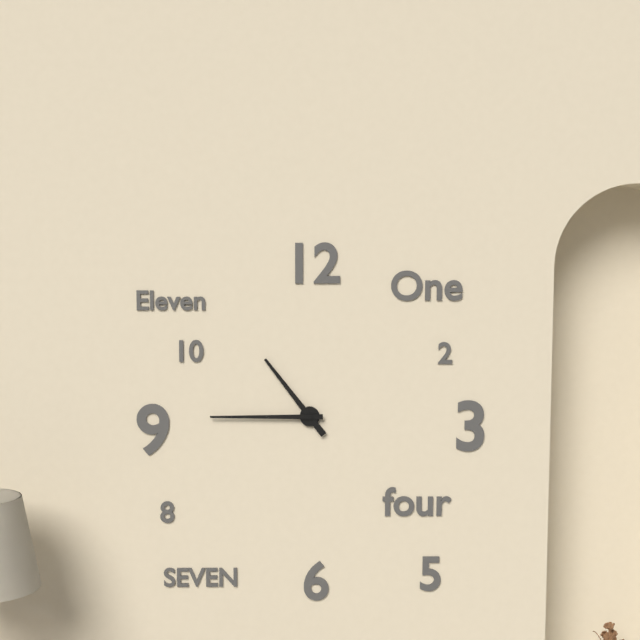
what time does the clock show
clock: 10:45
